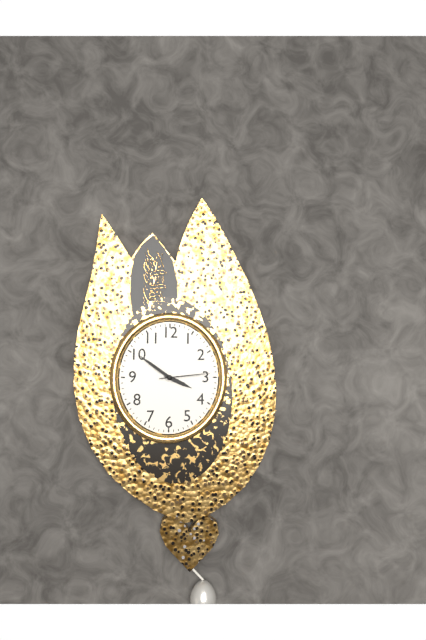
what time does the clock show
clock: 3:51:14
